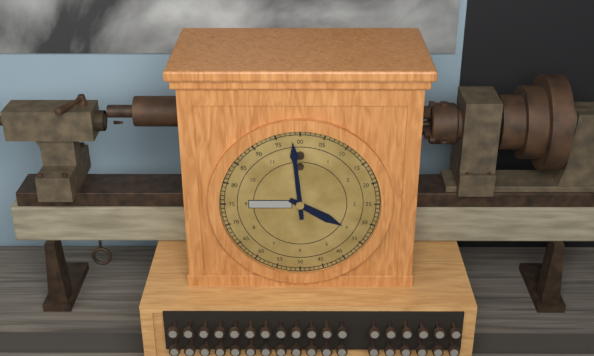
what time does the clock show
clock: 3:59
